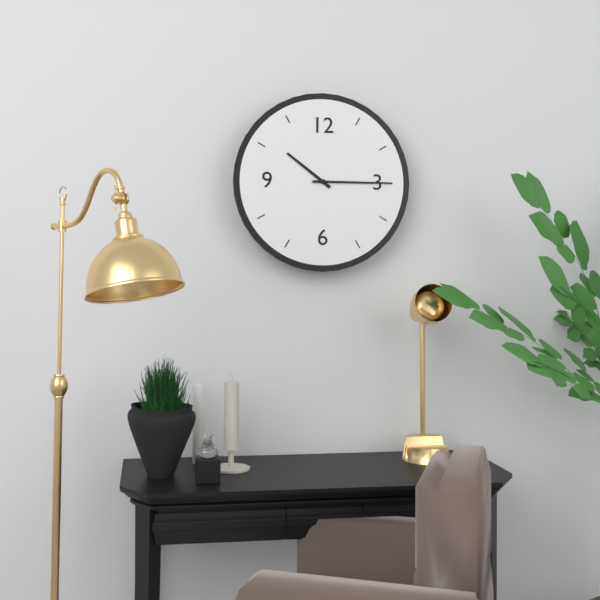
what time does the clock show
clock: 10:15
